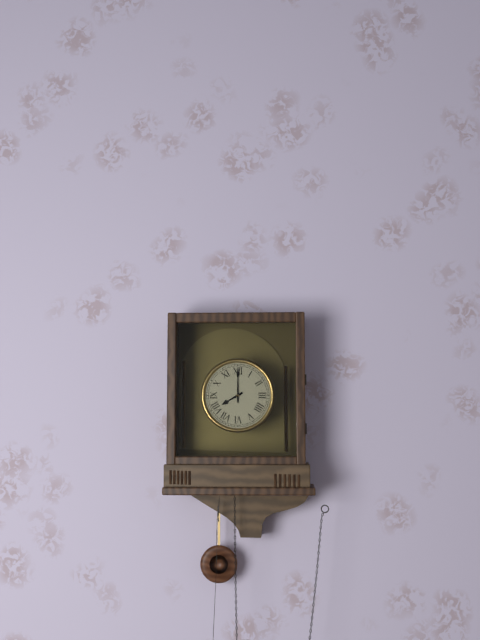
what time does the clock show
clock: 8:00
